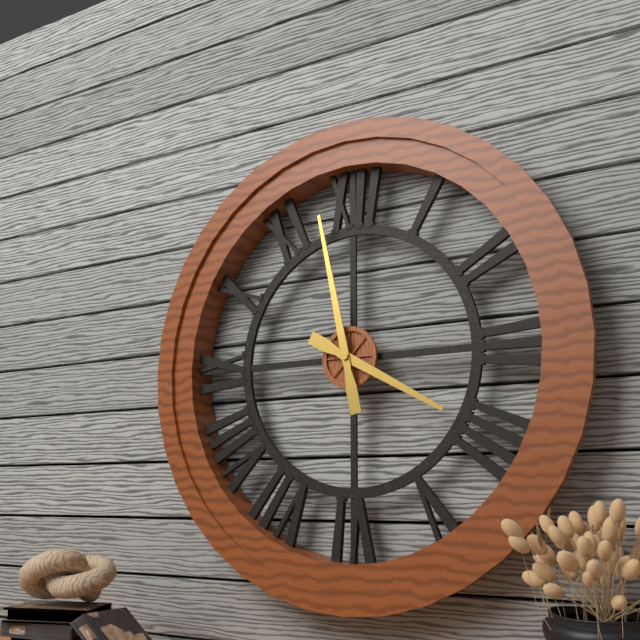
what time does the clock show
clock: 3:58
